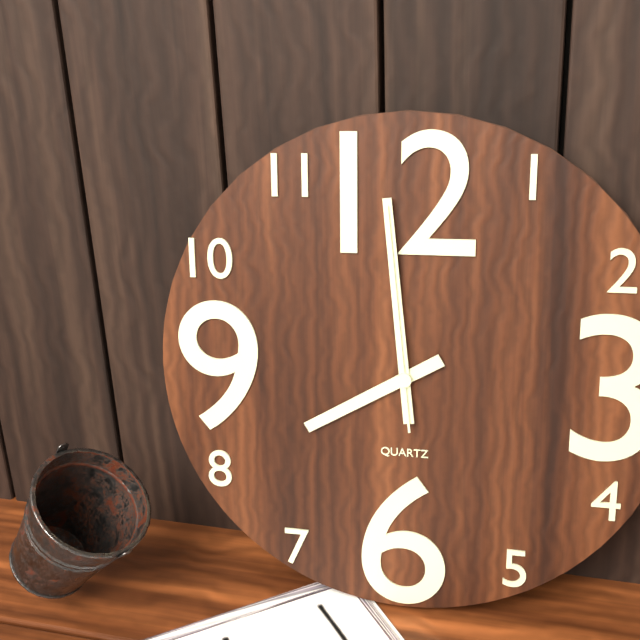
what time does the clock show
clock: 7:59:59
